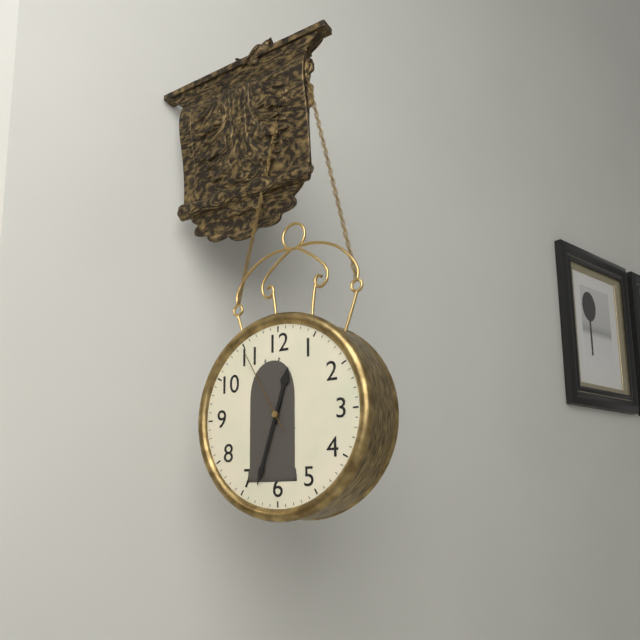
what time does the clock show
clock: 12:33:55
